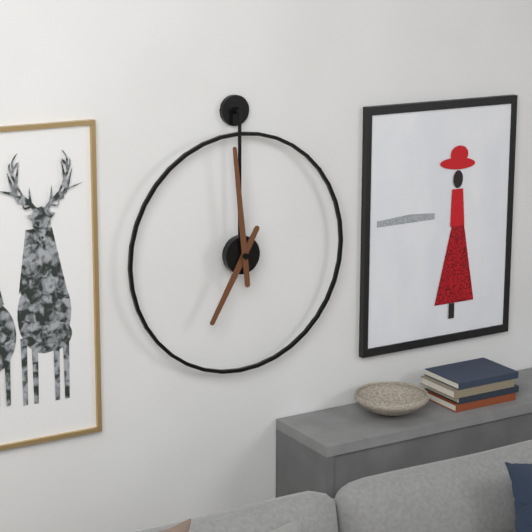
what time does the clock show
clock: 6:59
